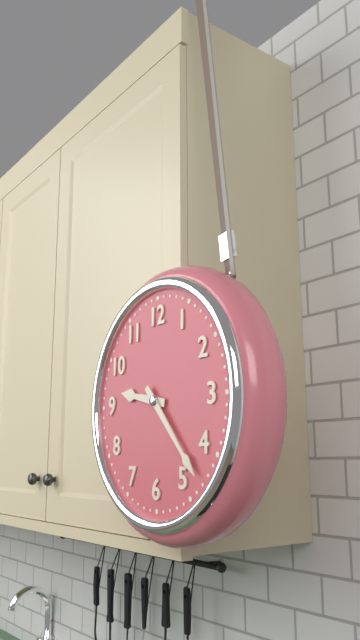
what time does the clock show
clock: 9:23
